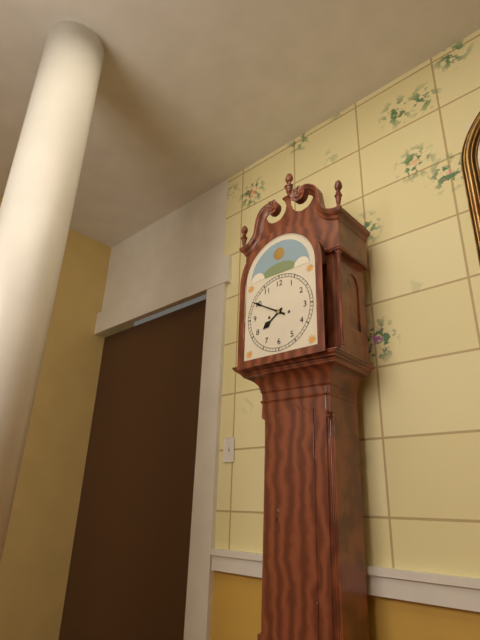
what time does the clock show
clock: 7:50
